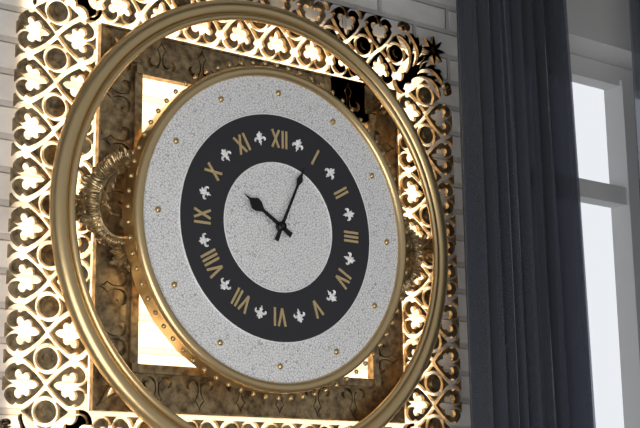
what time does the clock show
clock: 10:04
